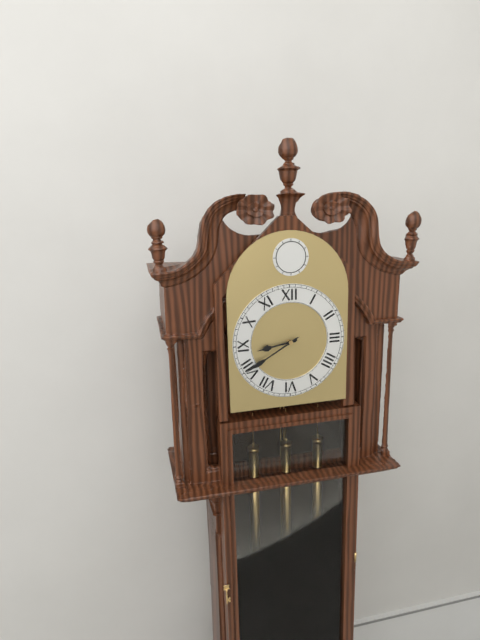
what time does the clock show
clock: 8:40
